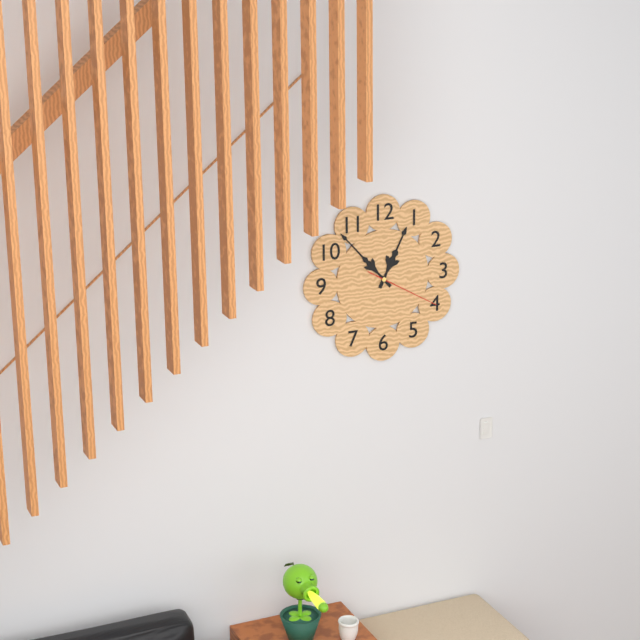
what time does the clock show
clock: 12:53:20
